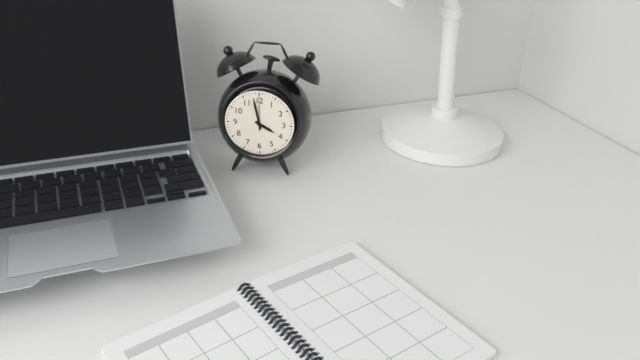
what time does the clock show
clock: 3:58
